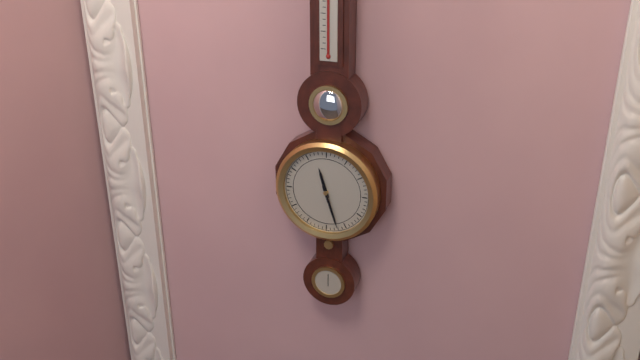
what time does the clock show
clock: 11:27
